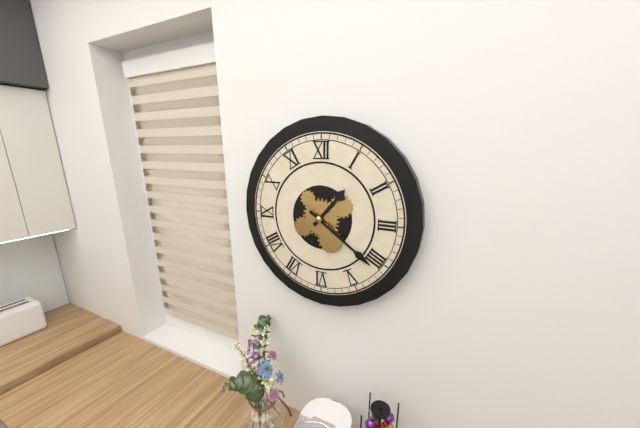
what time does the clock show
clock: 1:21
